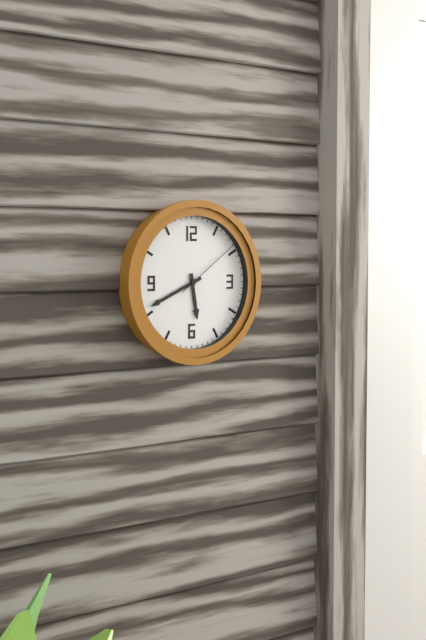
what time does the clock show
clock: 5:41:09
